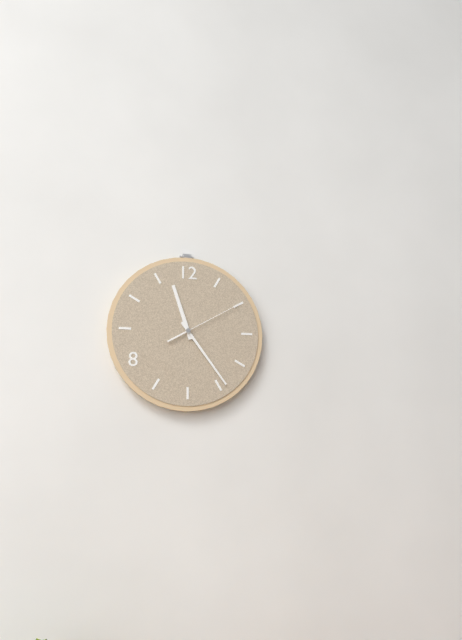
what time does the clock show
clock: 11:24:10
